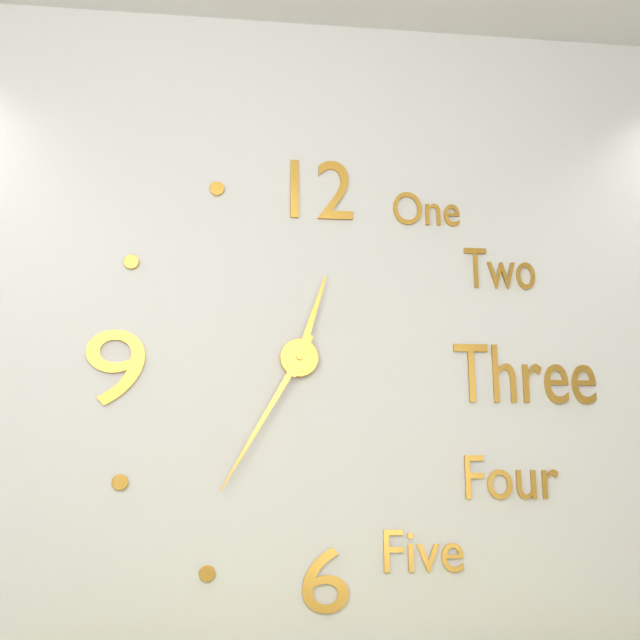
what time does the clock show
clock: 12:35
